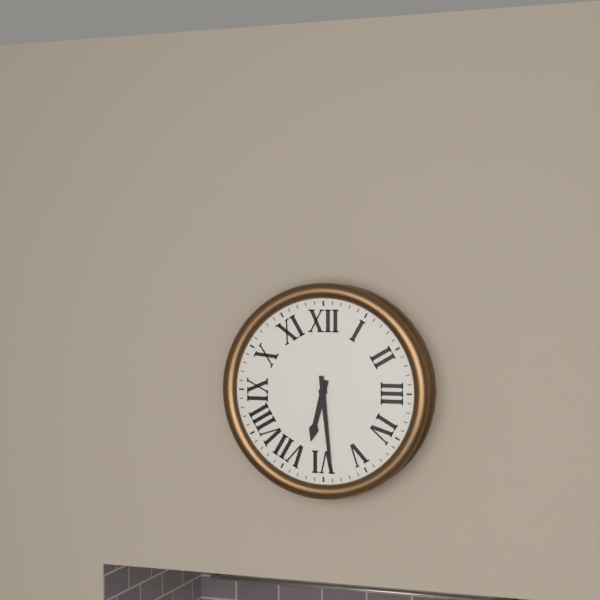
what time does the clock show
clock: 6:29
